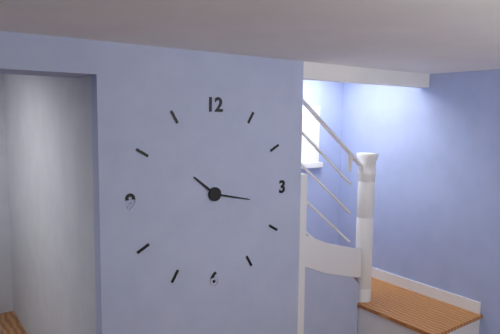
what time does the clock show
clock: 10:17
